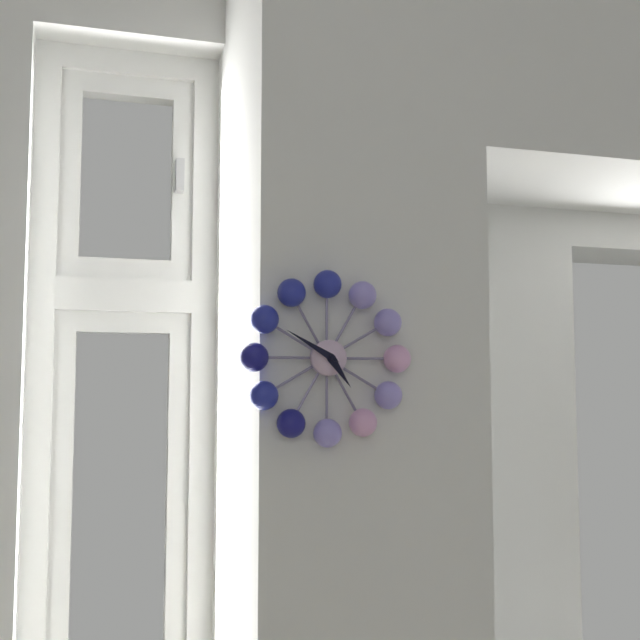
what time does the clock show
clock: 4:50
